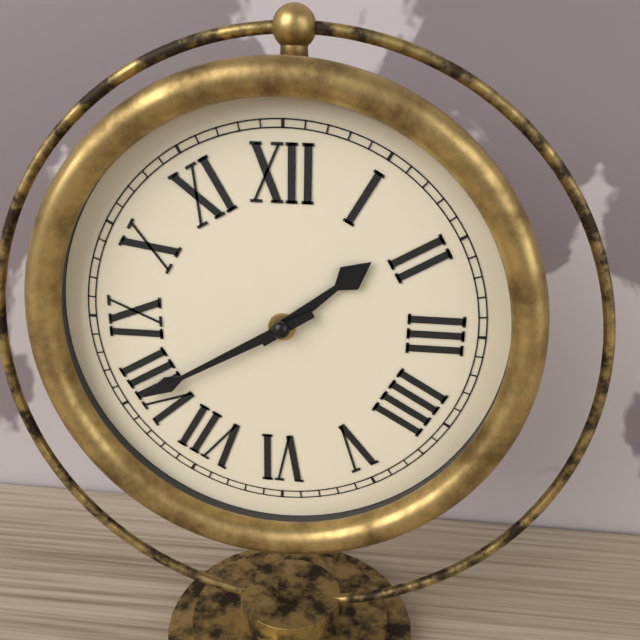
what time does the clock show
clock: 1:40
